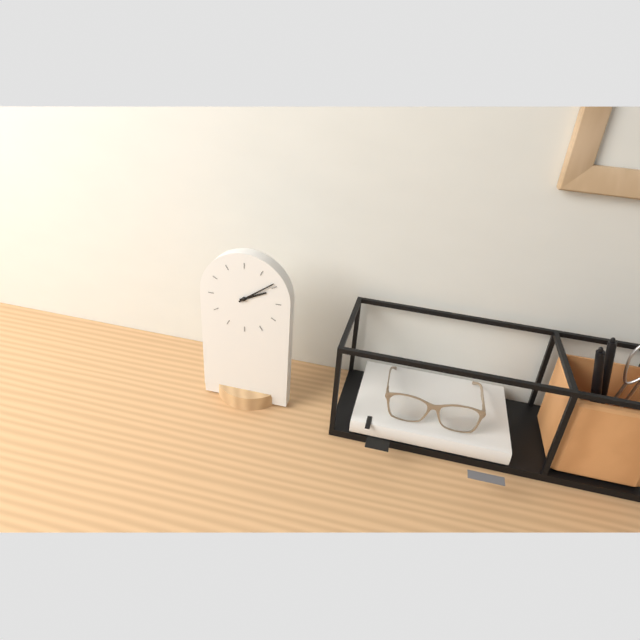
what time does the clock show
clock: 2:09
